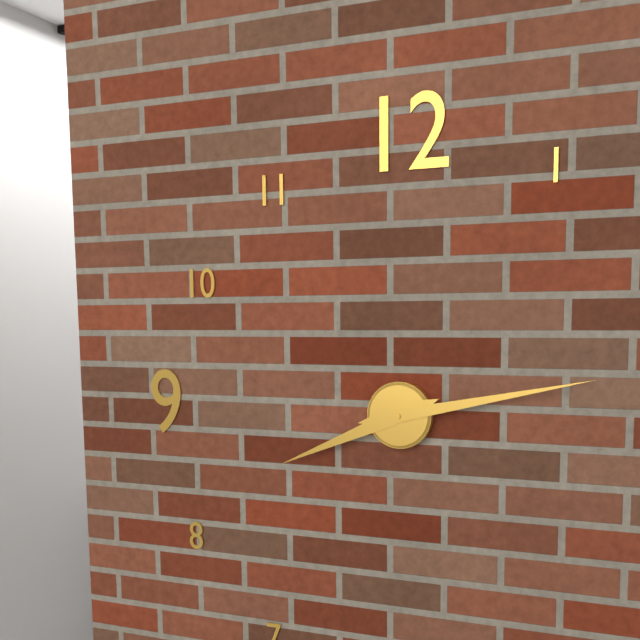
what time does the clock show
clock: 8:13
